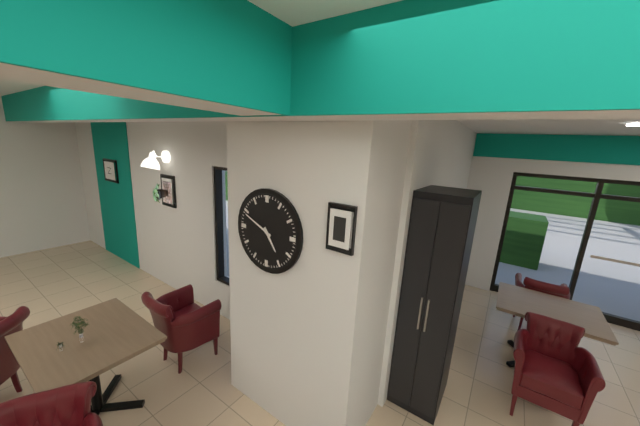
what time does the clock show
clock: 4:49
